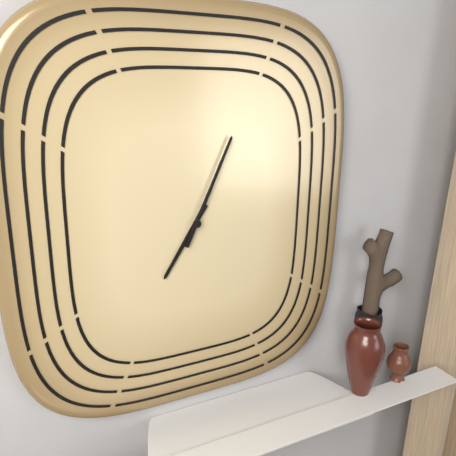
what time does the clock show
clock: 7:04
